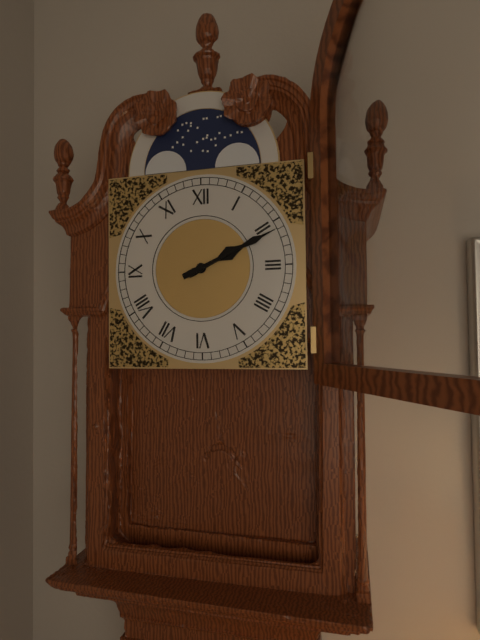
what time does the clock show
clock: 2:11
